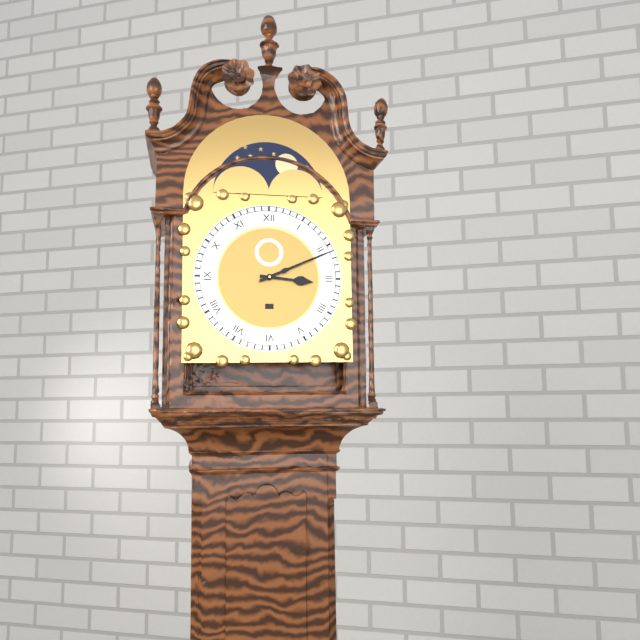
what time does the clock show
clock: 3:11
